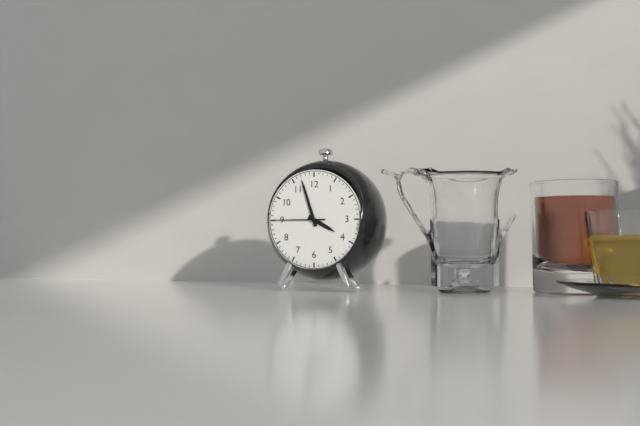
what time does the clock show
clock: 3:57:45
